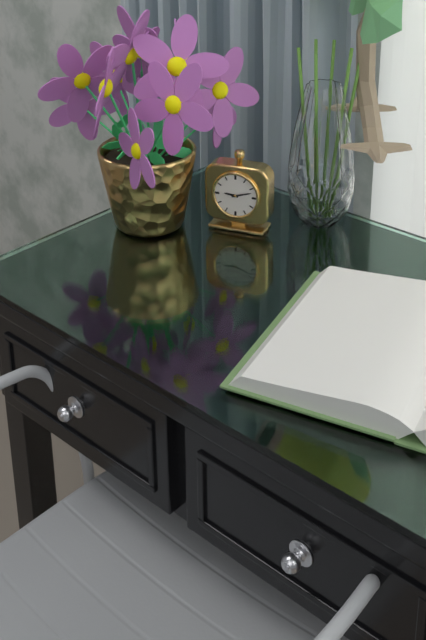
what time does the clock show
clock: 9:12
